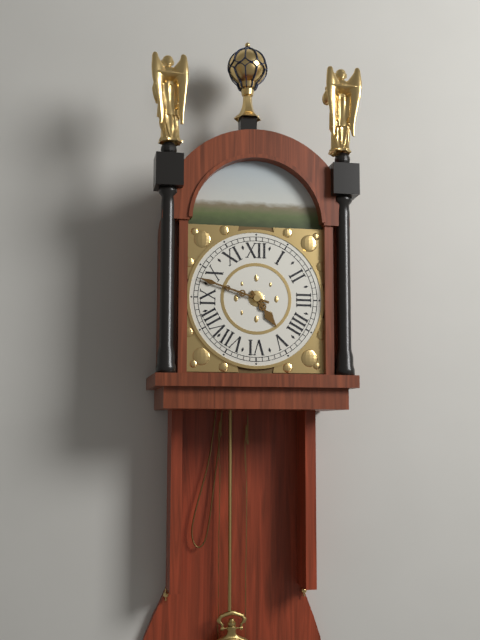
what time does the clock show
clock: 4:48
